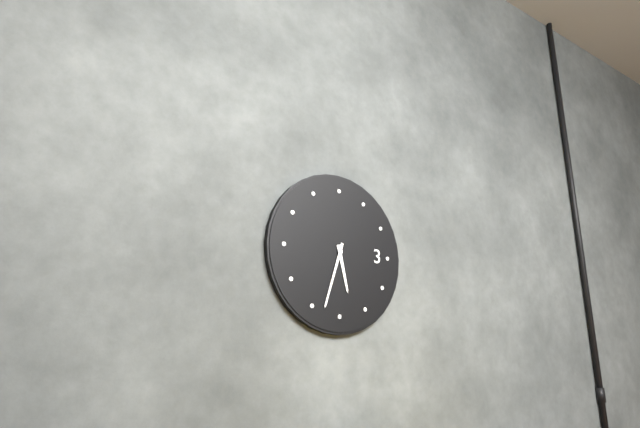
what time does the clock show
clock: 5:33
